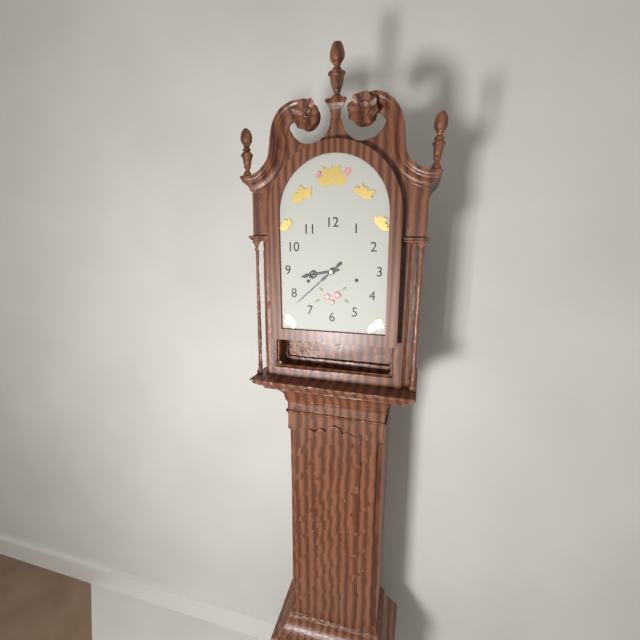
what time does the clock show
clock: 8:38
